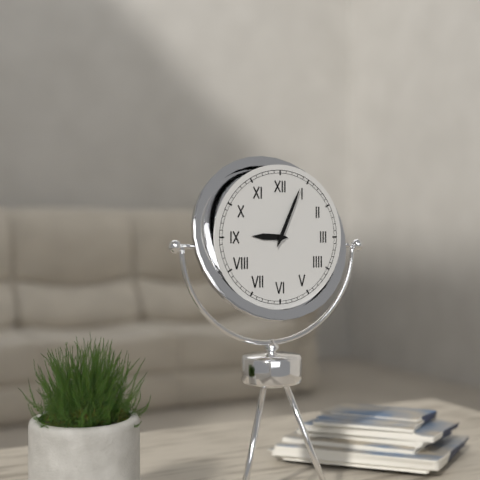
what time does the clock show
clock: 9:04
